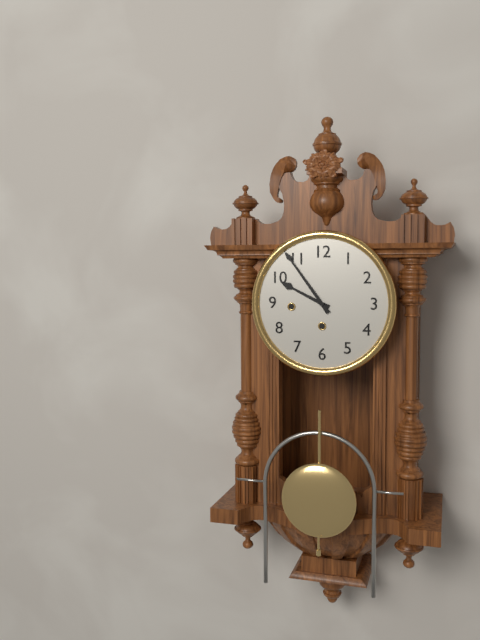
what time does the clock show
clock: 9:54
